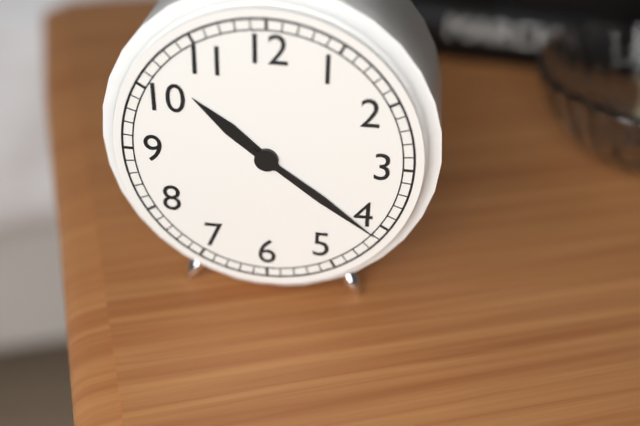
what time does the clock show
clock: 10:21
